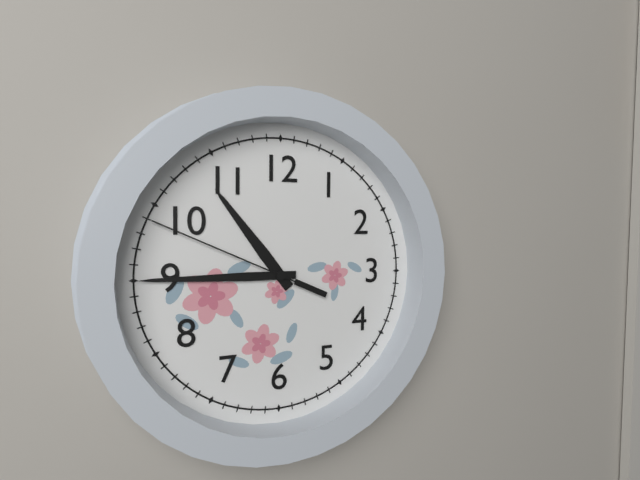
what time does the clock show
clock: 10:45:49
